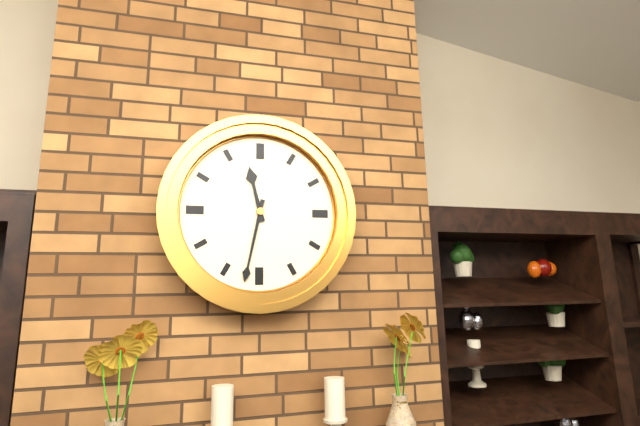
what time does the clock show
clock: 11:32
